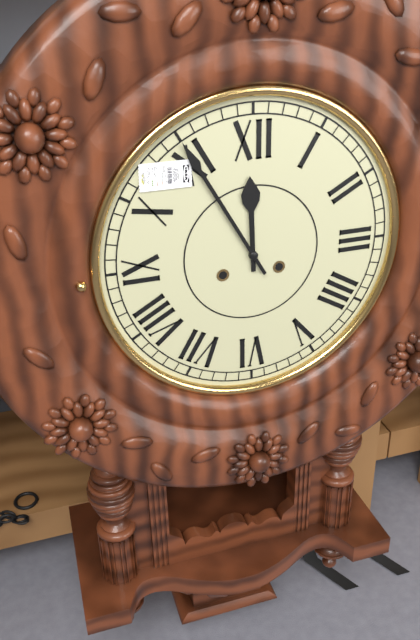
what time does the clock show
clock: 11:55
